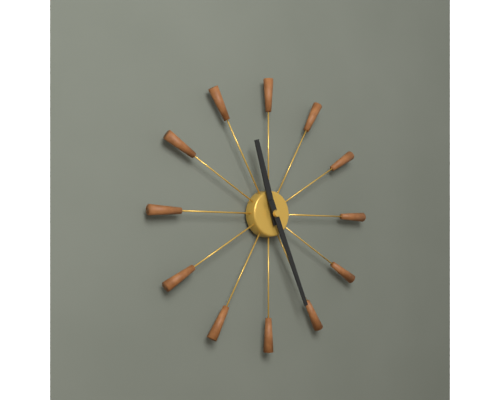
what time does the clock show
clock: 11:26
